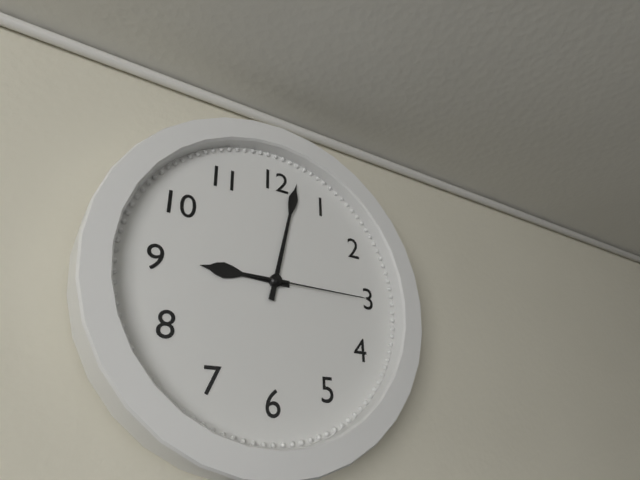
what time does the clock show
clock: 9:02:15
